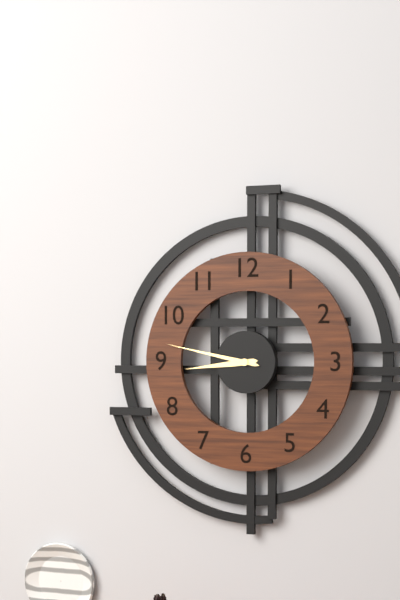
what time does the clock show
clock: 8:47
